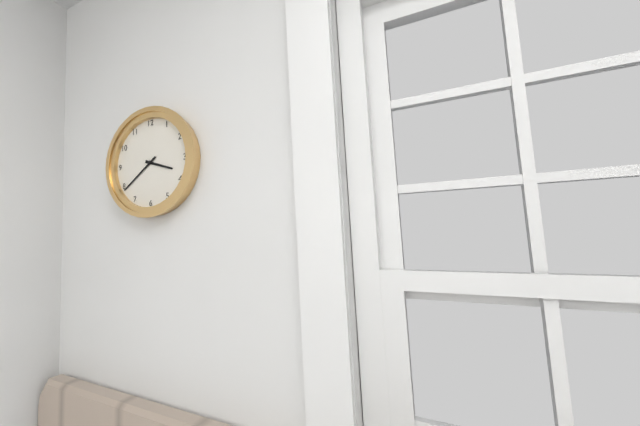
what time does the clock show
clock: 3:39
